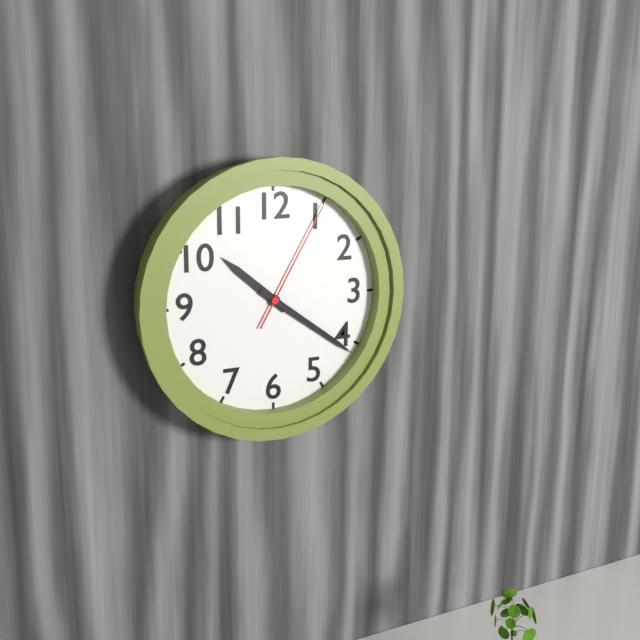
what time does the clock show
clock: 10:21:05
